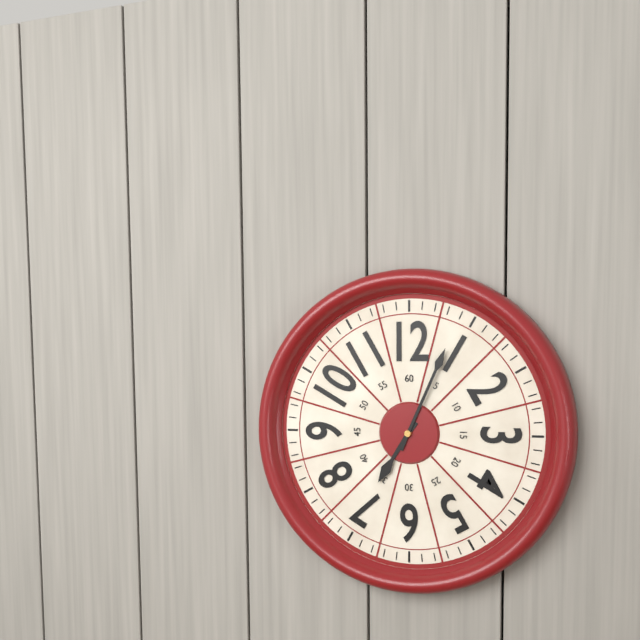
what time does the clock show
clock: 7:04
